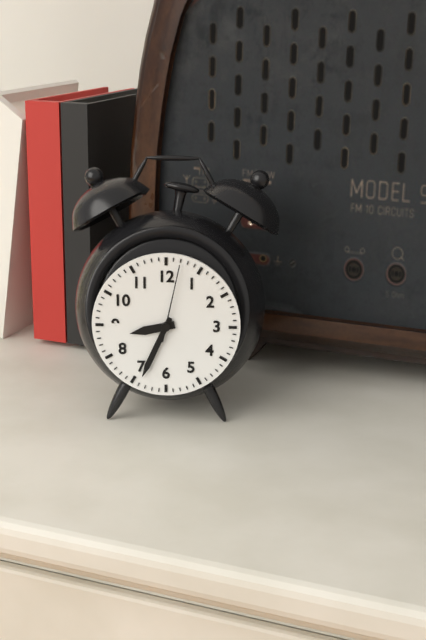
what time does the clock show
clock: 8:34:02
